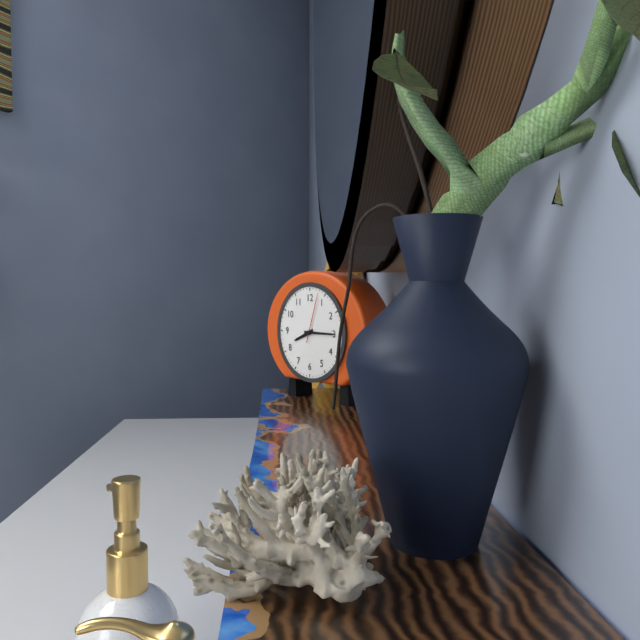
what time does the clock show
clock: 8:15:03
